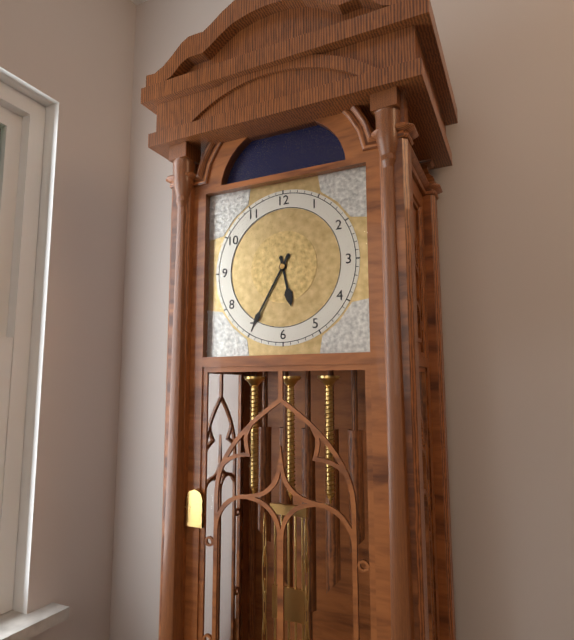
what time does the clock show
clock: 5:35
